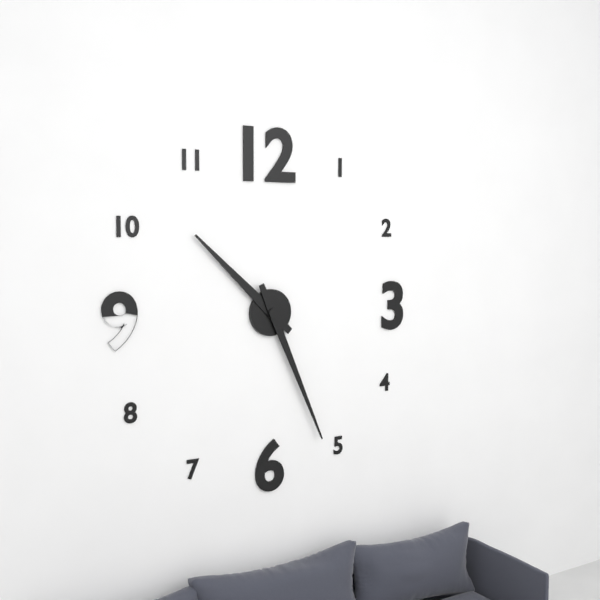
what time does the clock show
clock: 10:26
